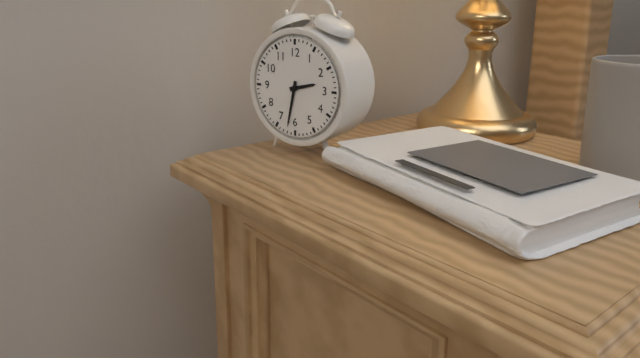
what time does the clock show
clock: 2:32
